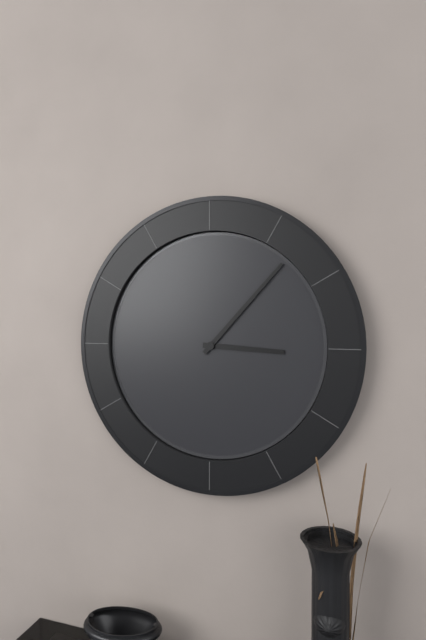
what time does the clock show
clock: 3:07
